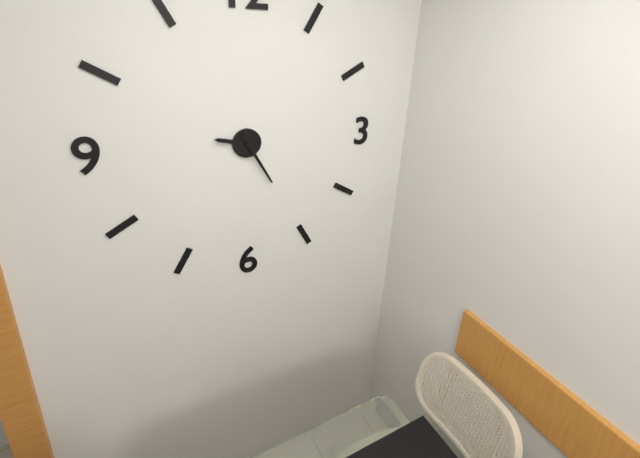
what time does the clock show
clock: 9:25
